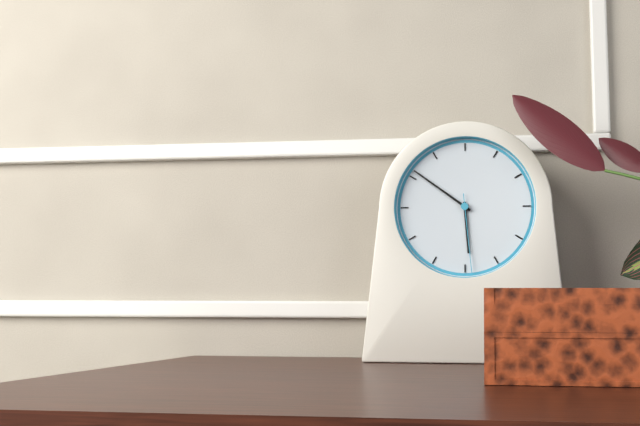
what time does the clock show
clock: 5:51:29
